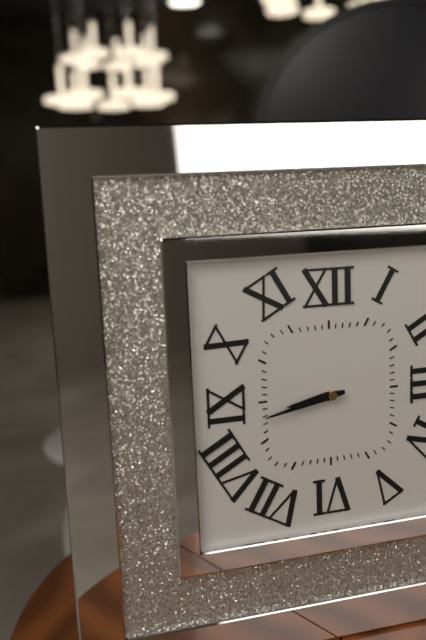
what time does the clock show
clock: 8:43
